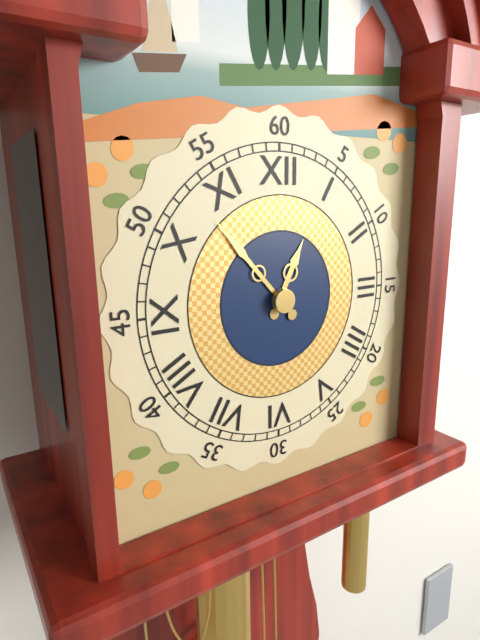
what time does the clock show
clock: 12:53
